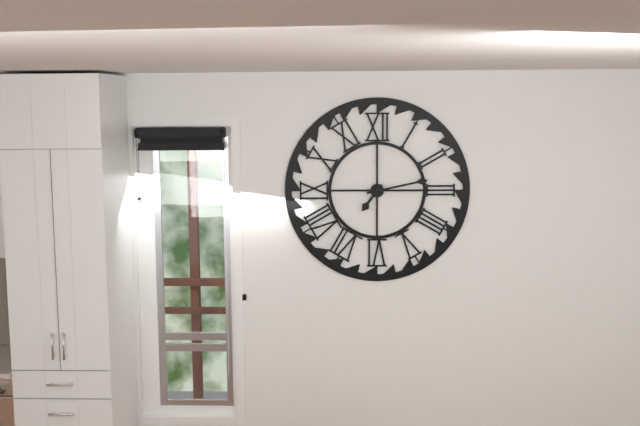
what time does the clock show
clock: 7:13:15
